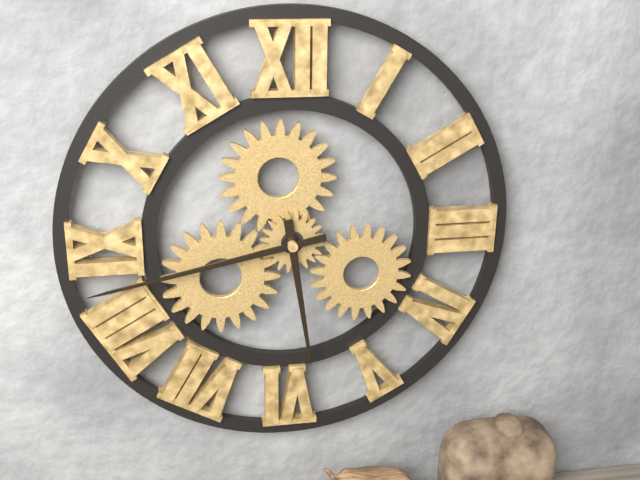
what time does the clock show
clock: 5:43
